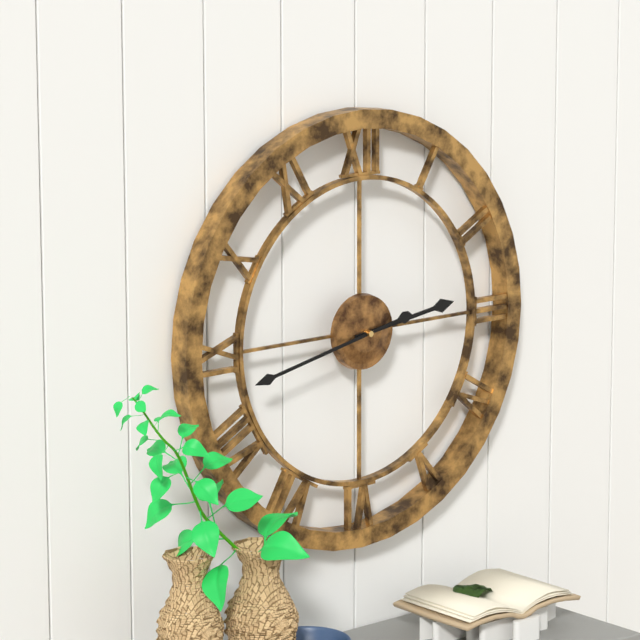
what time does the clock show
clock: 2:43
